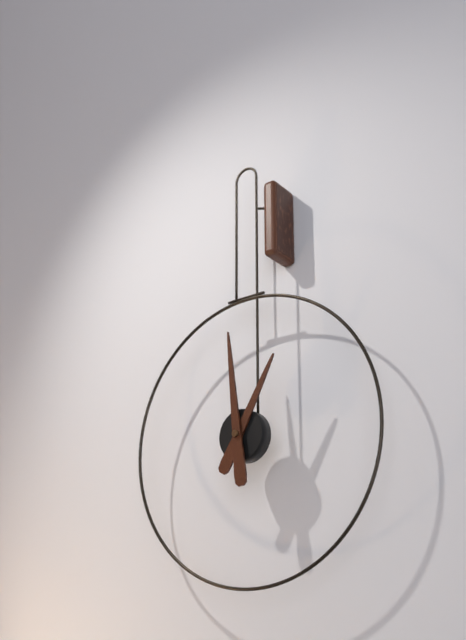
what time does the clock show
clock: 12:59
